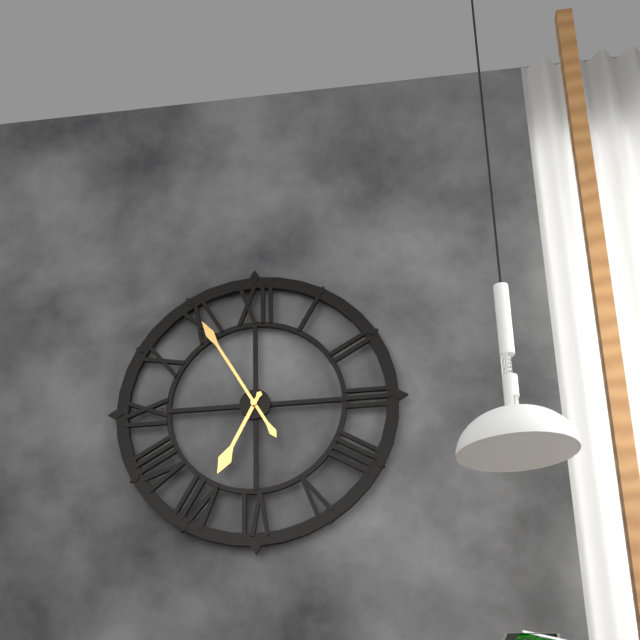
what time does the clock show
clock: 6:55
